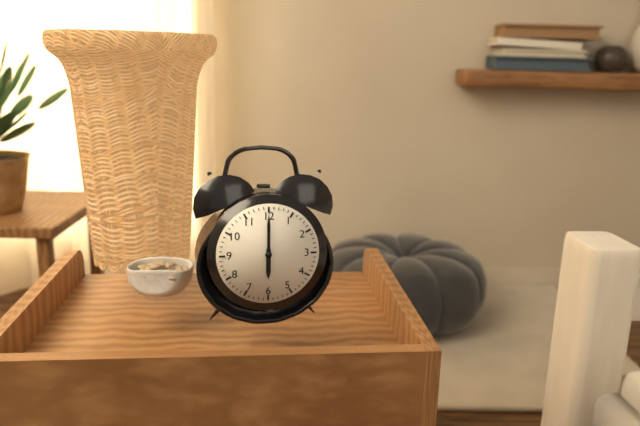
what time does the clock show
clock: 6:00
